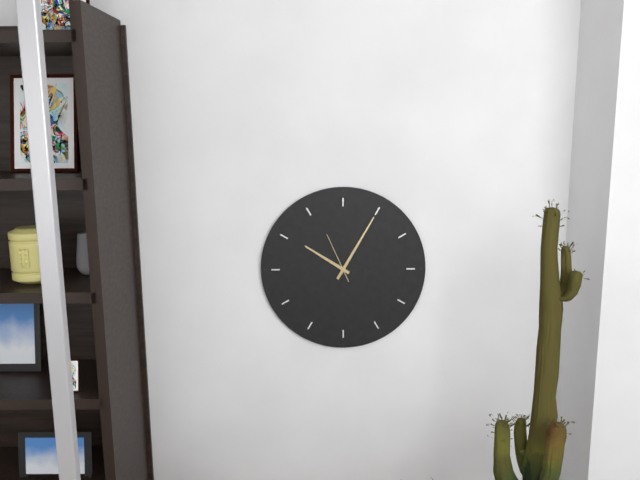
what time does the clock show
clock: 10:05
